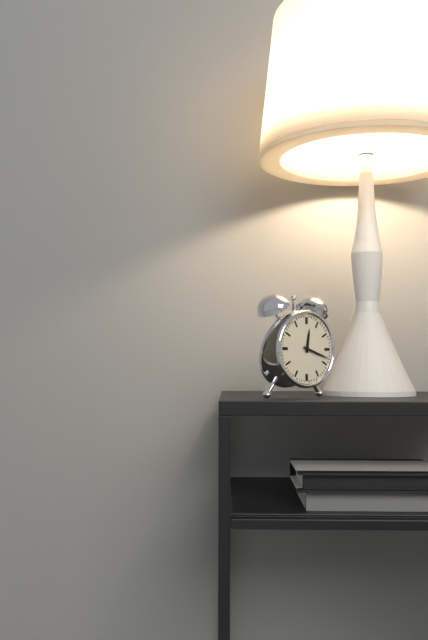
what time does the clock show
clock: 12:18
